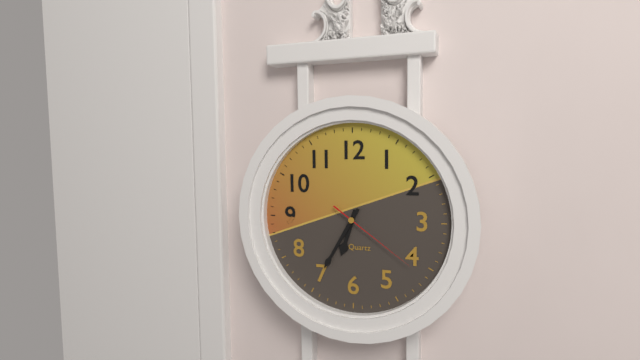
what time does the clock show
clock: 6:35:21
